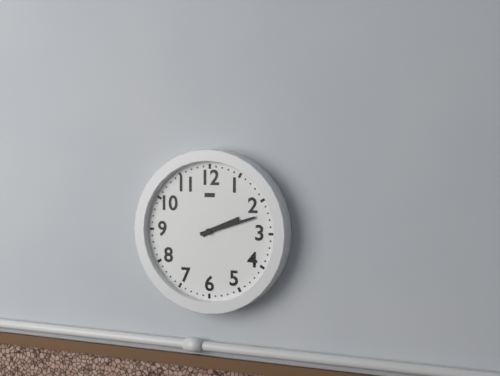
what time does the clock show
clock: 2:12
